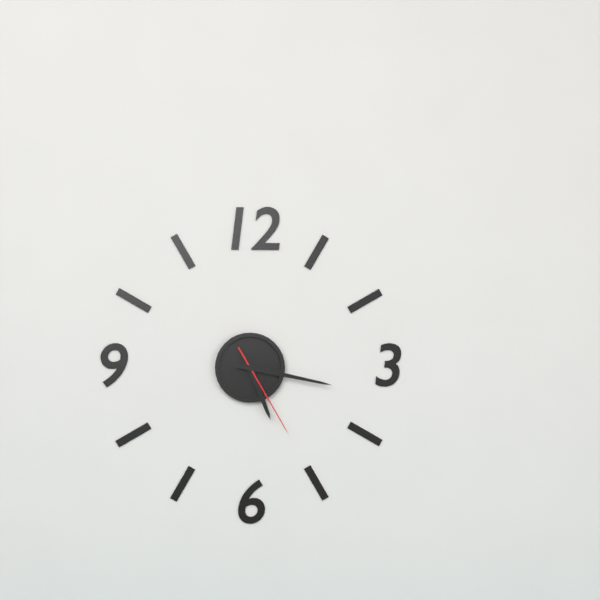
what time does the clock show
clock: 5:17:25
